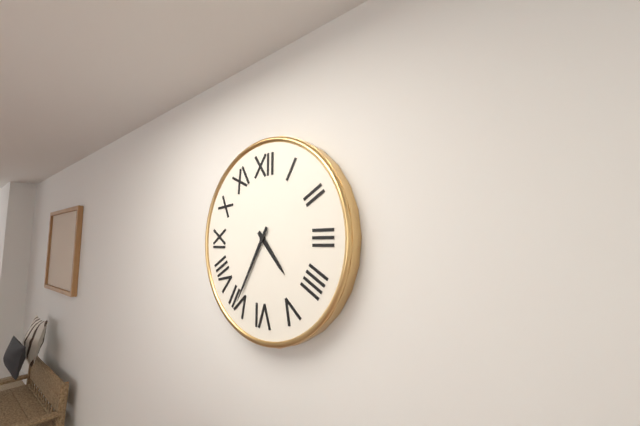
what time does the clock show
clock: 4:35
